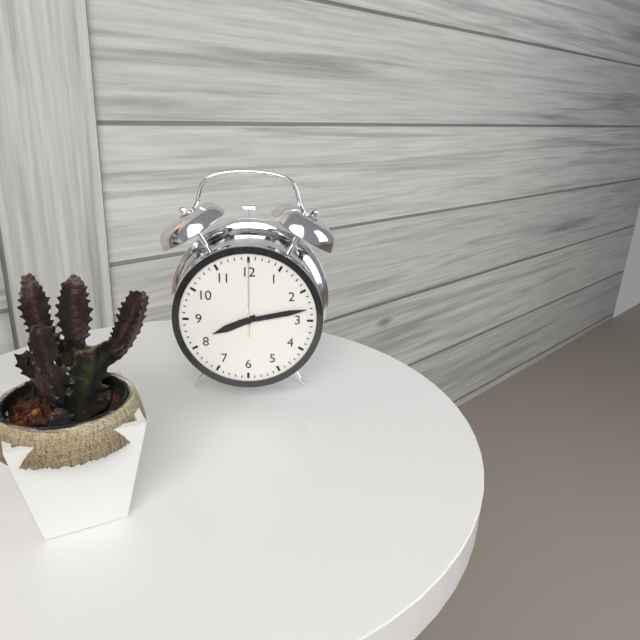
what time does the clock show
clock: 8:13:00
